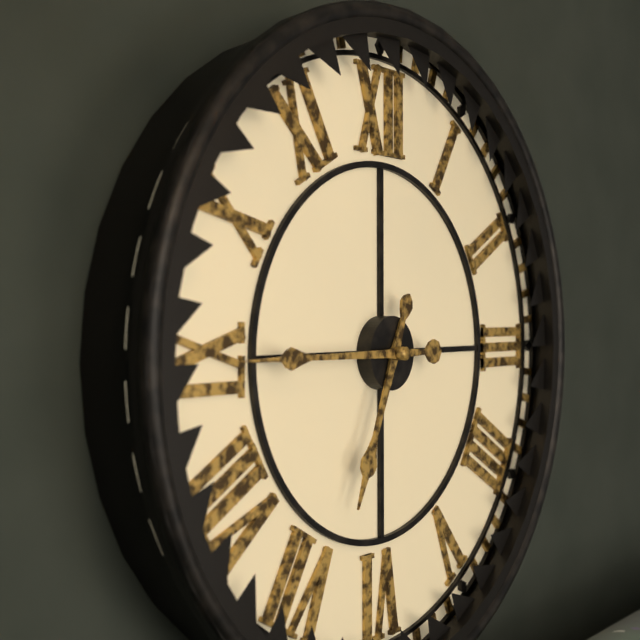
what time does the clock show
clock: 6:45
